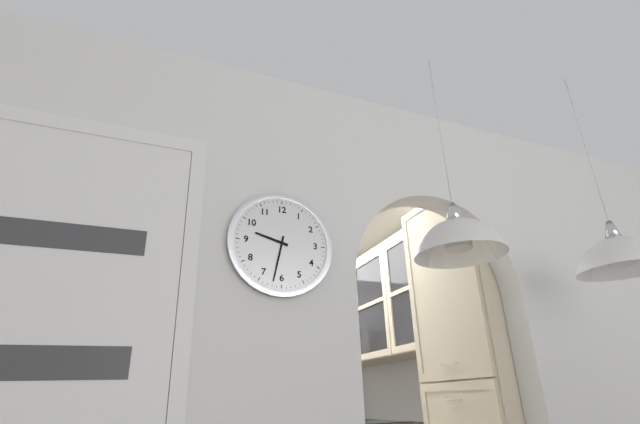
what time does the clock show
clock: 9:32
